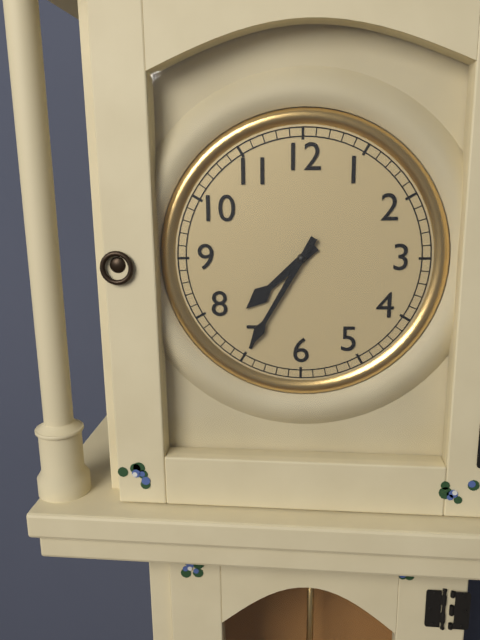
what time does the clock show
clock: 7:35
